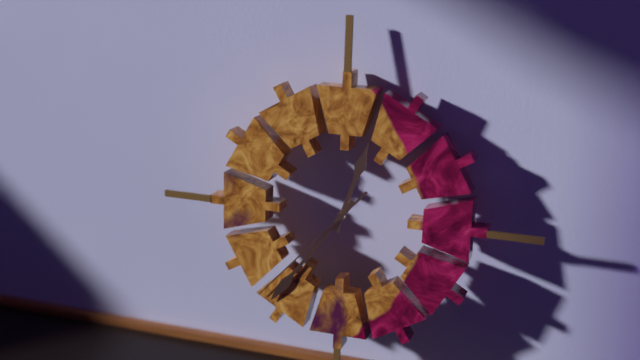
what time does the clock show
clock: 12:36:37
